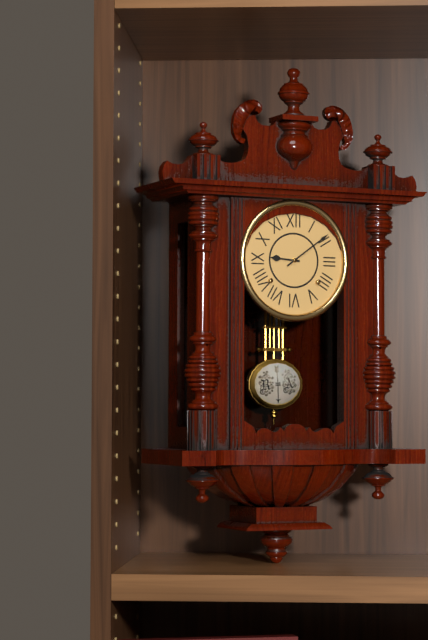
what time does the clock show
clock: 9:09
